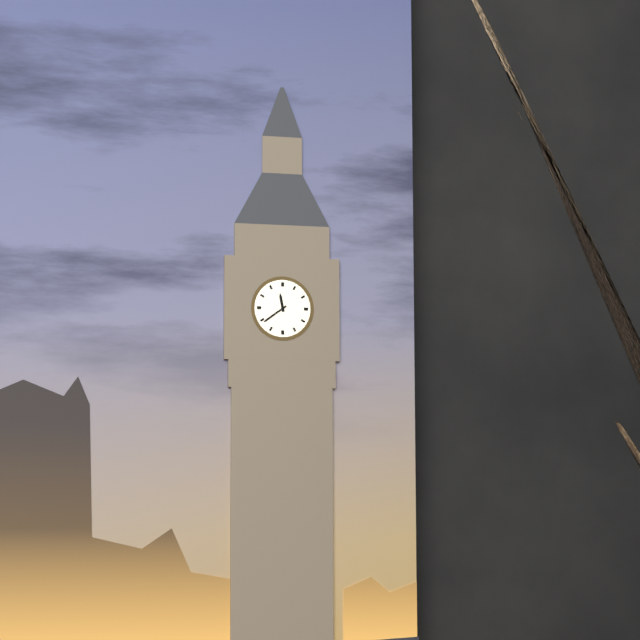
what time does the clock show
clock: 11:39
